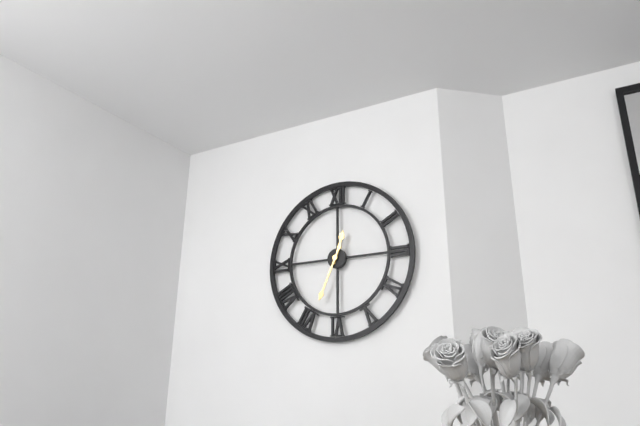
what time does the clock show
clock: 12:34
